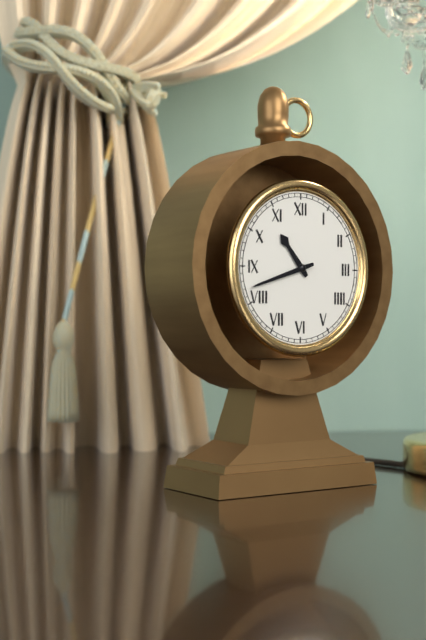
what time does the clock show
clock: 10:42
